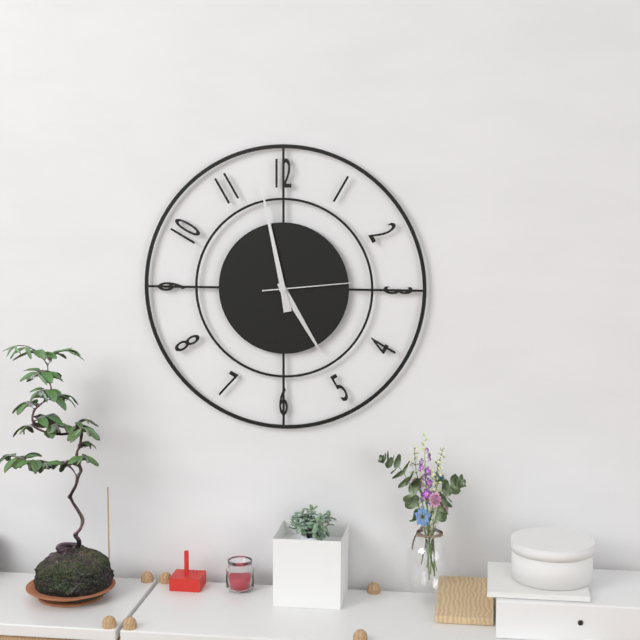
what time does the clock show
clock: 4:58:14
